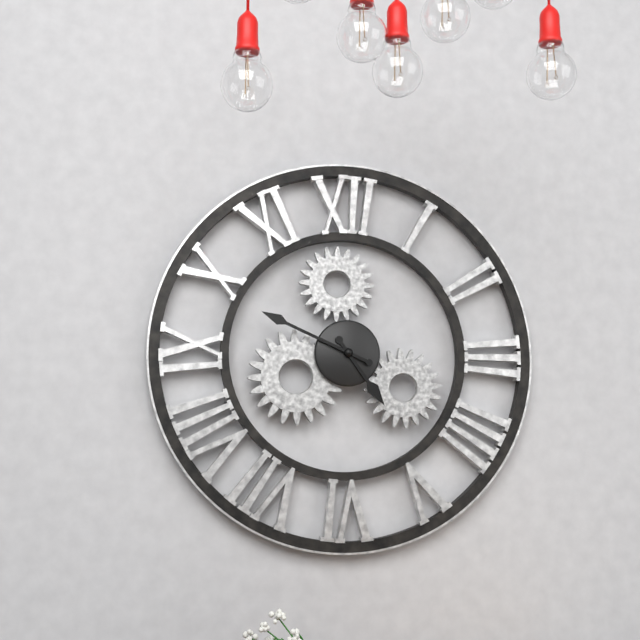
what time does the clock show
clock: 4:49
